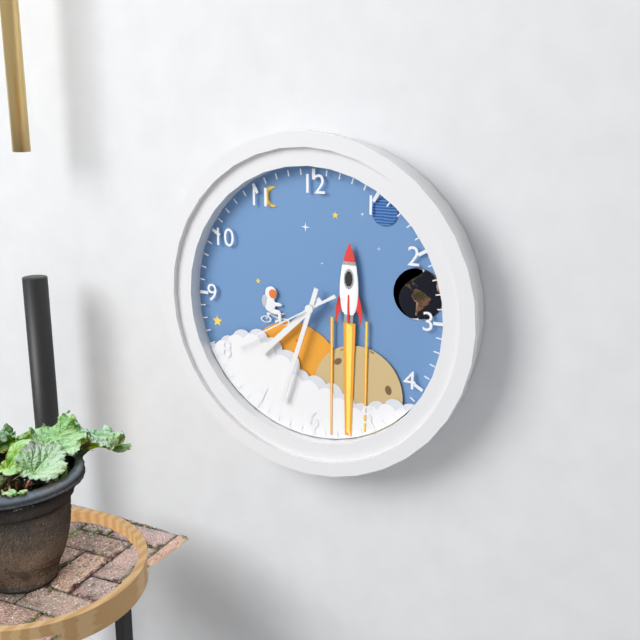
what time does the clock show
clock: 7:33:40
